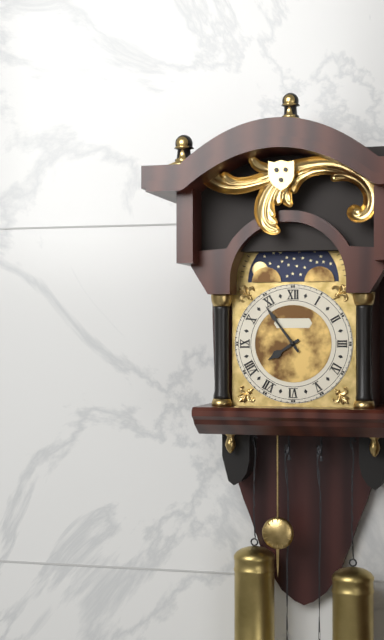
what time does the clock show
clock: 7:54
